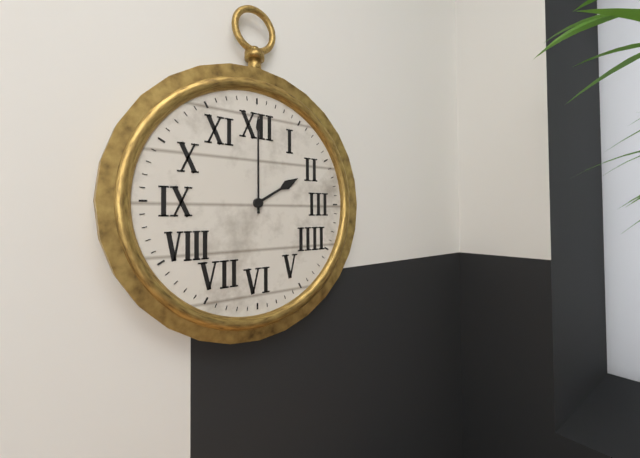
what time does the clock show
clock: 2:00
